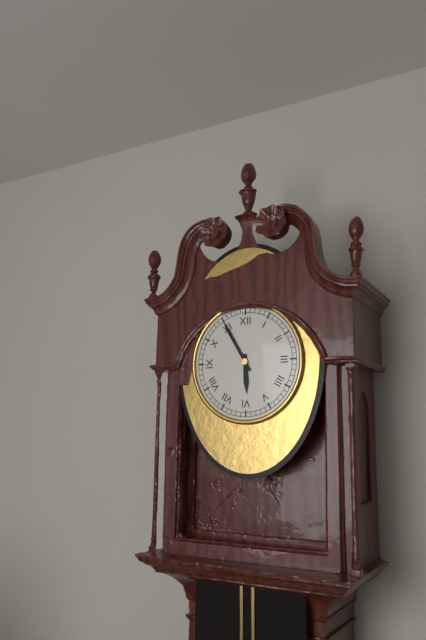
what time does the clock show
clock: 5:55
